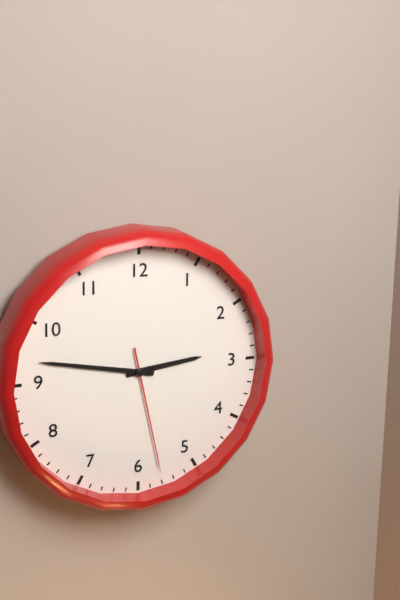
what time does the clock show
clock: 2:47:28
